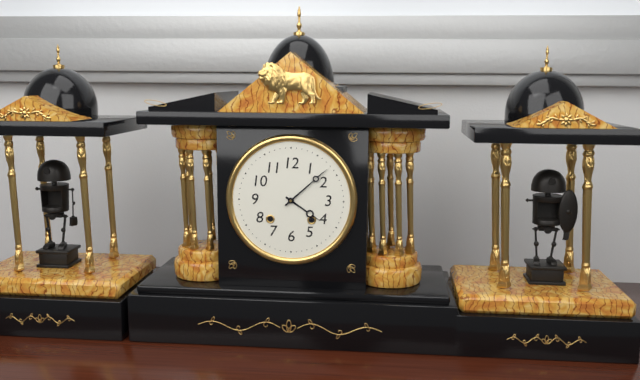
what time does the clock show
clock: 4:08
